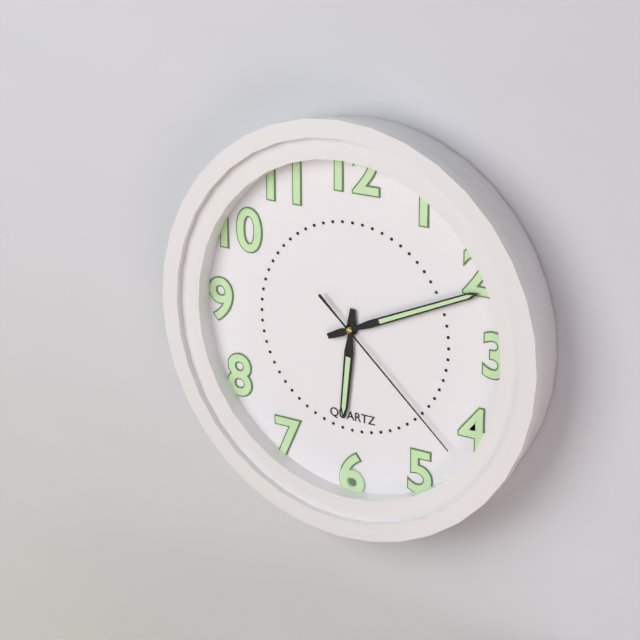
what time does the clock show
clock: 6:11:22
